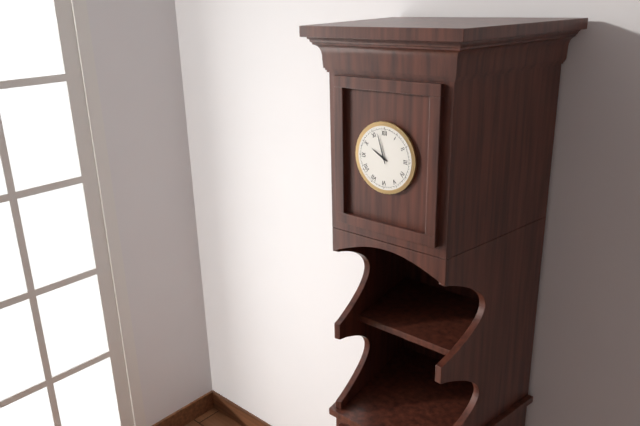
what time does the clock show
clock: 9:57
